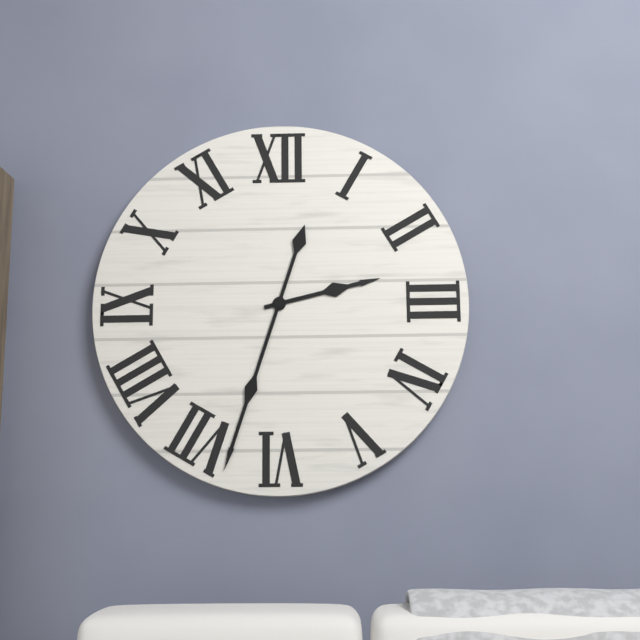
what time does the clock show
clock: 2:33
